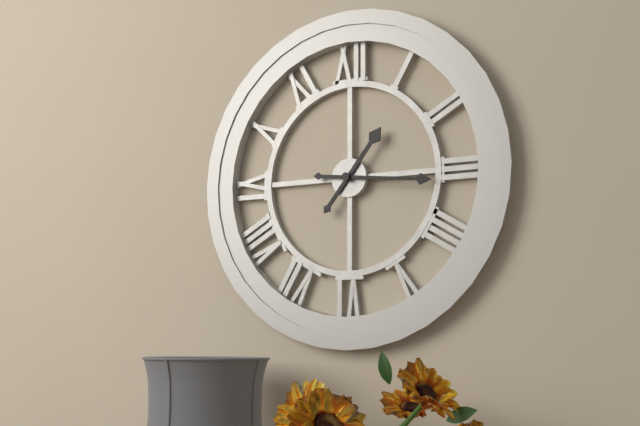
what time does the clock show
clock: 1:16
